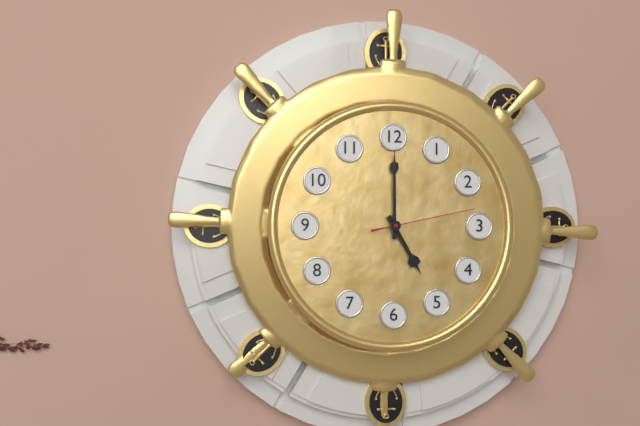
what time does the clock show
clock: 5:00:13
